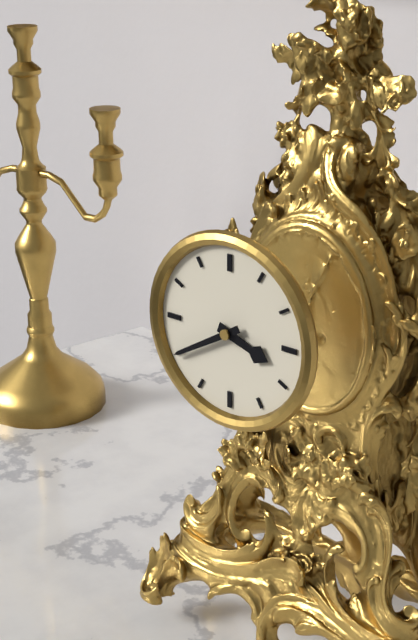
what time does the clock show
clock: 3:40
